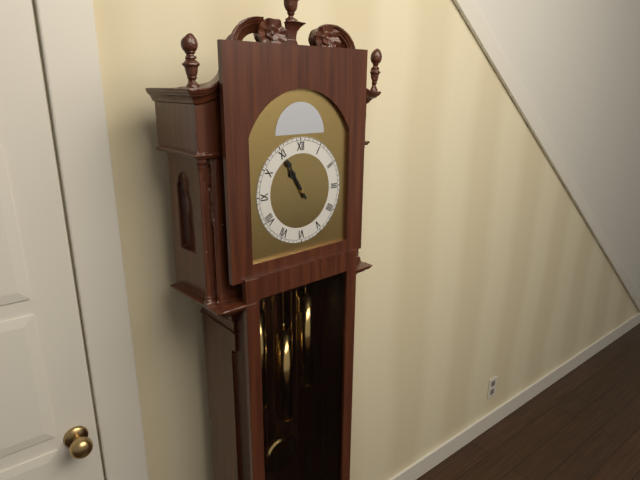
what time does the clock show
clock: 10:55
